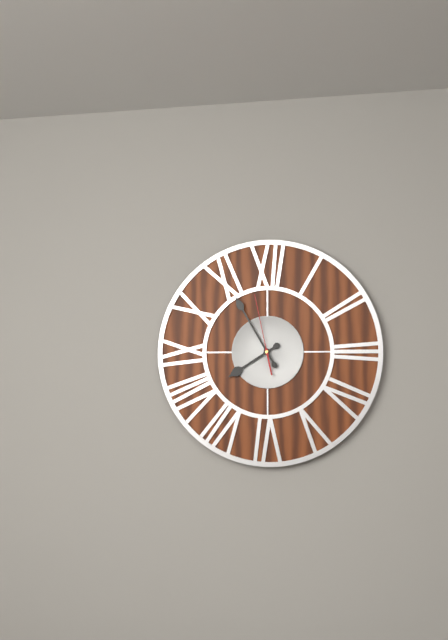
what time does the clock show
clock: 7:55:58
